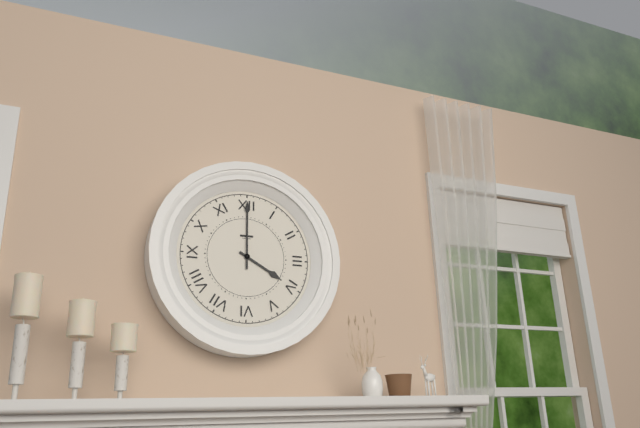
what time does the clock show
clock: 4:00
